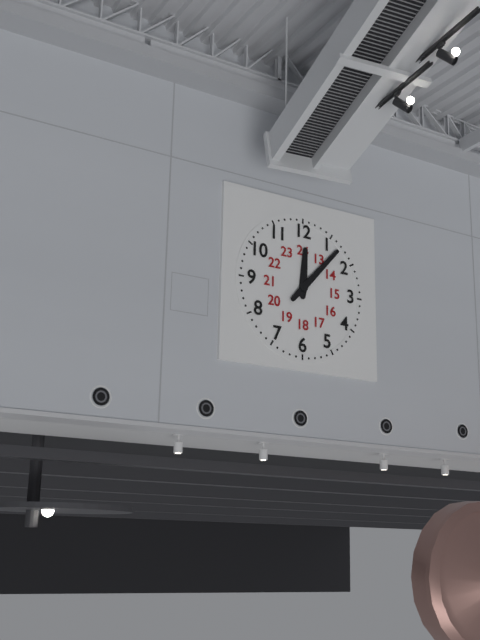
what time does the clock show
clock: 12:07
